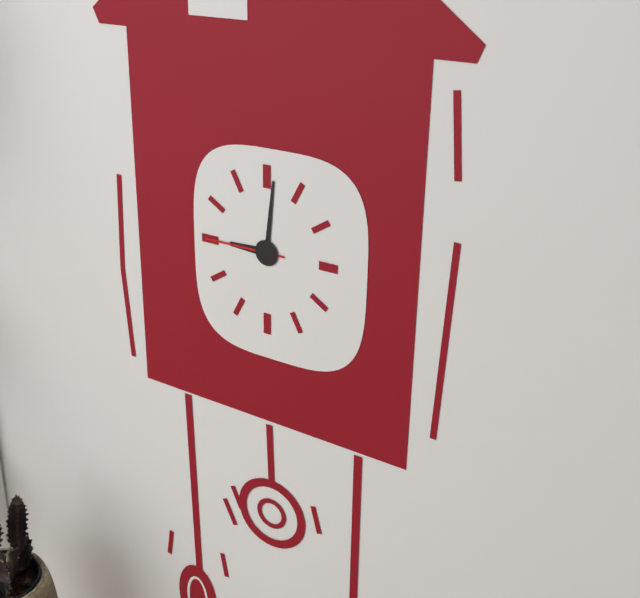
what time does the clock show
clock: 9:01:45
